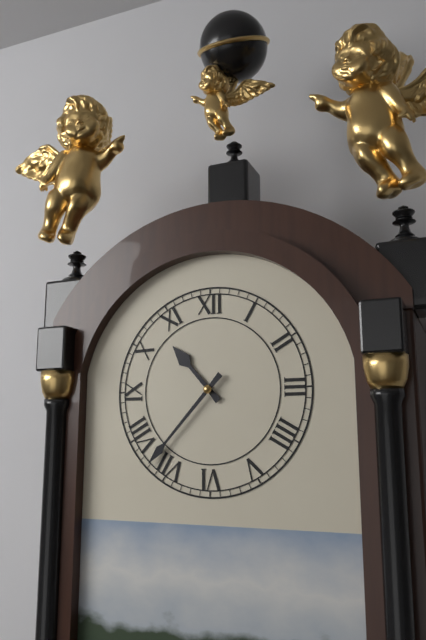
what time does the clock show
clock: 10:37
